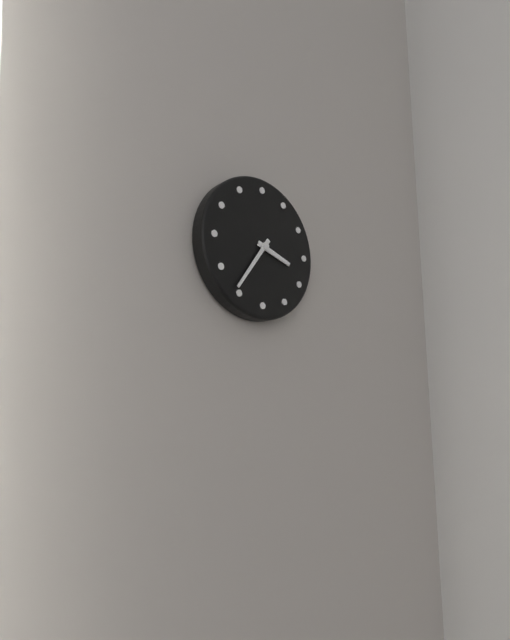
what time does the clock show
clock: 3:36
